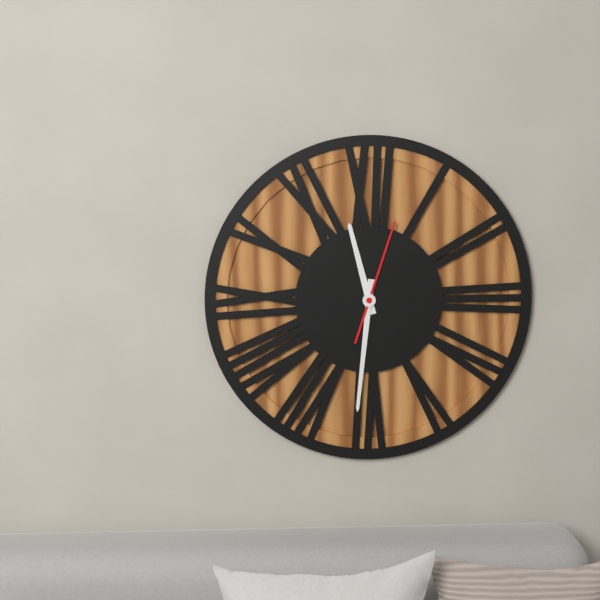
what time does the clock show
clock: 11:31:03
